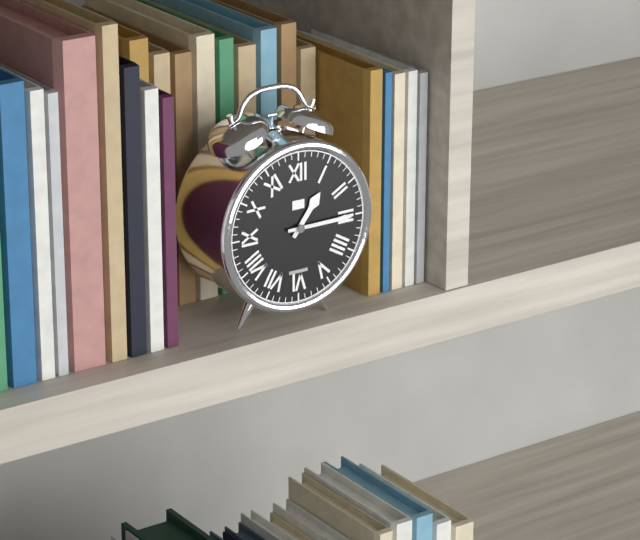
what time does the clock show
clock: 1:15
